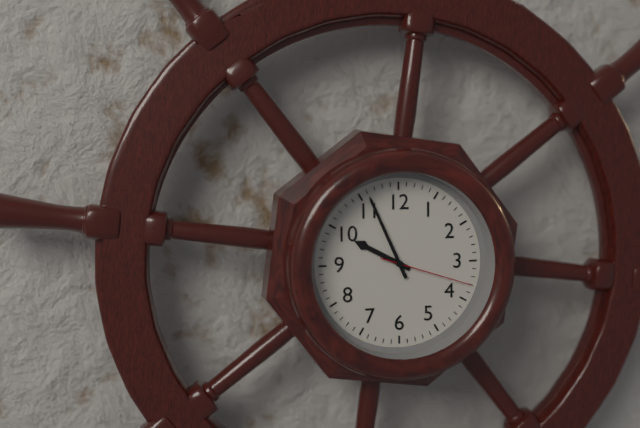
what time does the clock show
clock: 9:56:18
